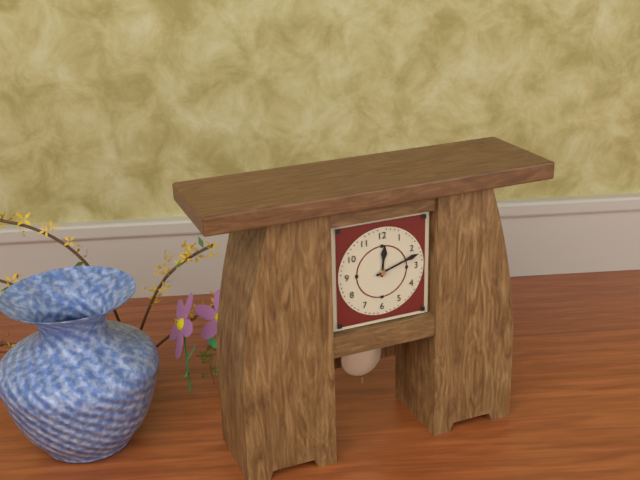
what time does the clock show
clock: 12:12
